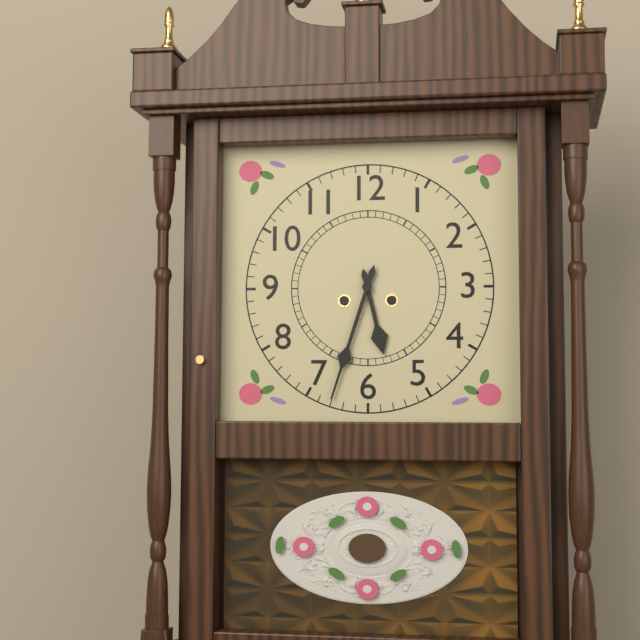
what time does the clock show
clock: 5:33
